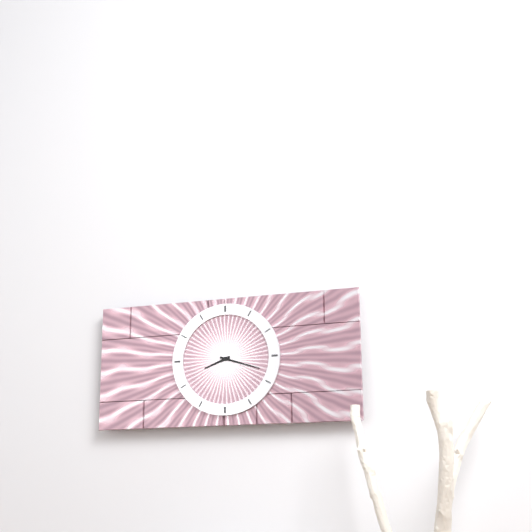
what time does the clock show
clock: 8:18
